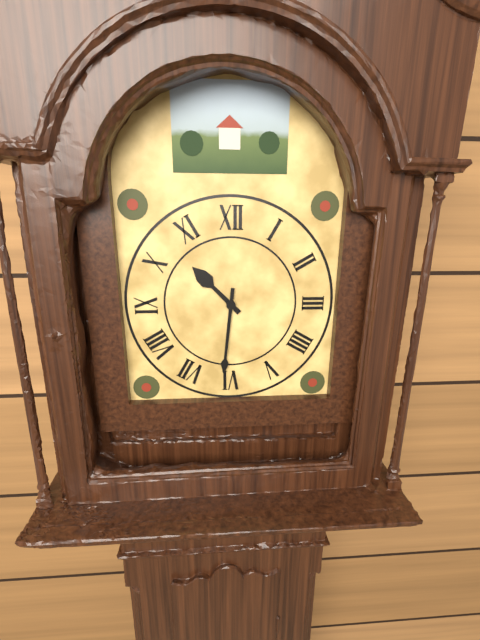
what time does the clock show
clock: 10:31
